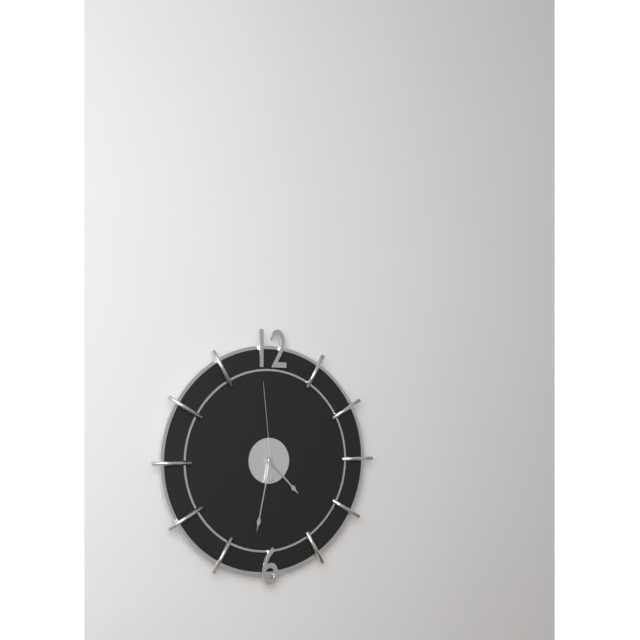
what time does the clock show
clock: 4:32:59
